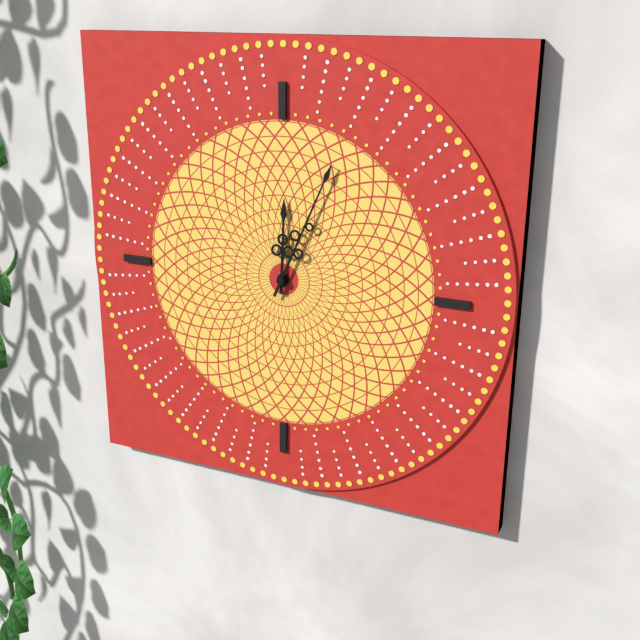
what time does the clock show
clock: 12:04
